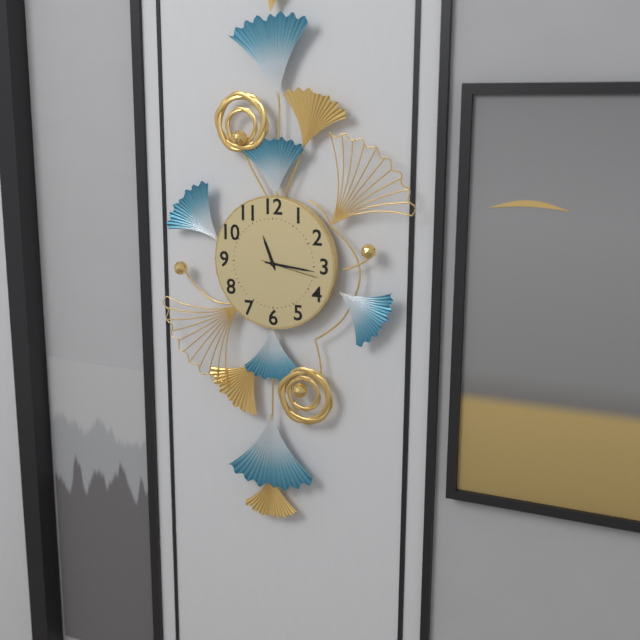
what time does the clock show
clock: 11:16
